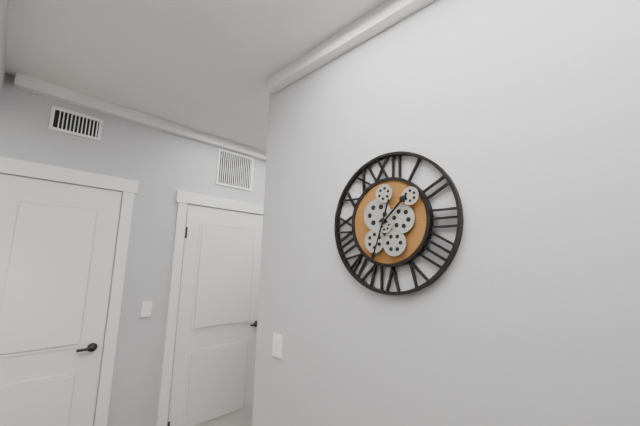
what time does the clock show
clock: 1:33
